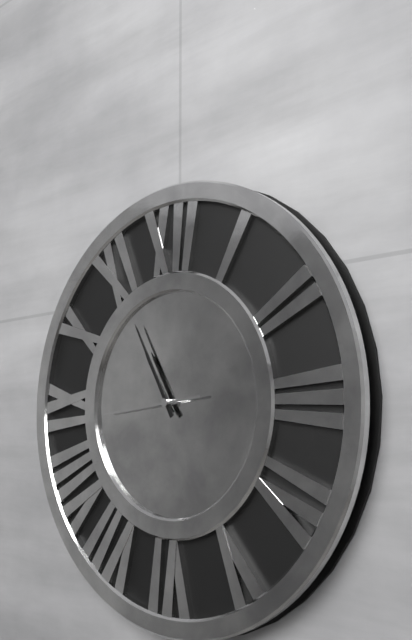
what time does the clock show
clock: 10:55:44
